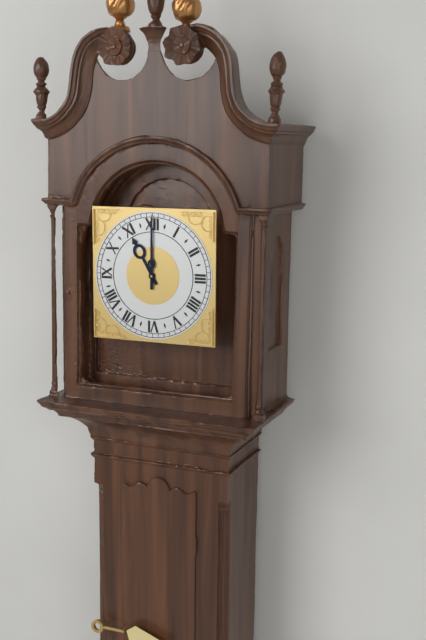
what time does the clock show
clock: 11:00
